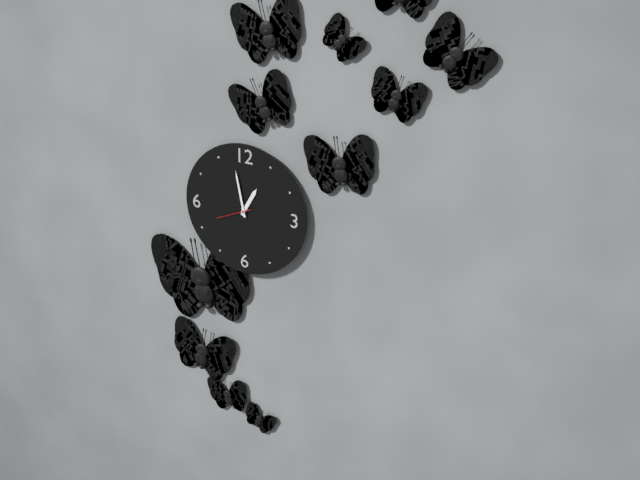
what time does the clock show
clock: 12:58
